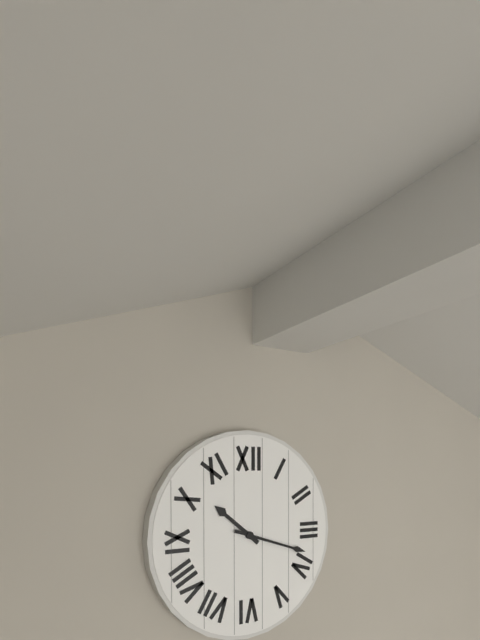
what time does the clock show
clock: 10:18
